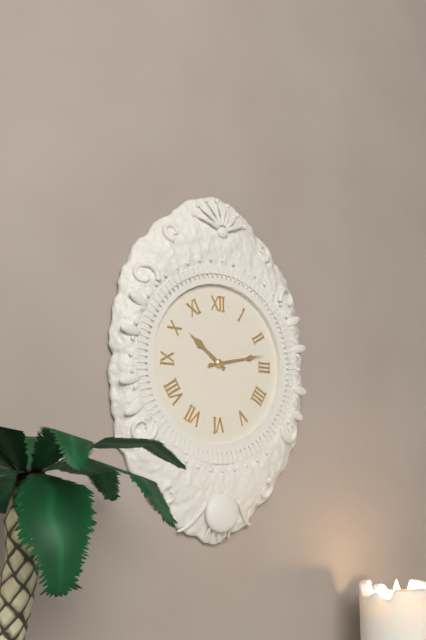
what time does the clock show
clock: 10:13
